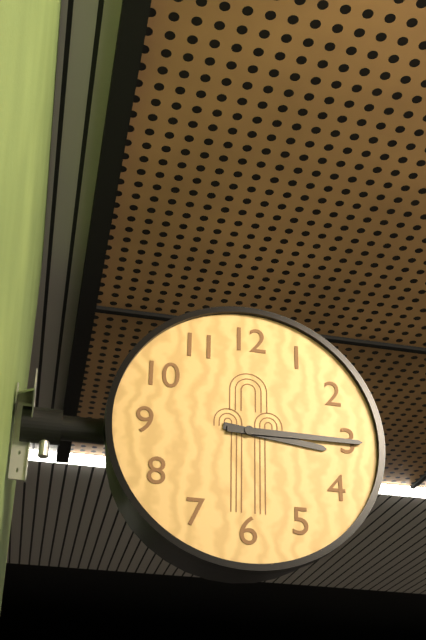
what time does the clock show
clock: 3:15
